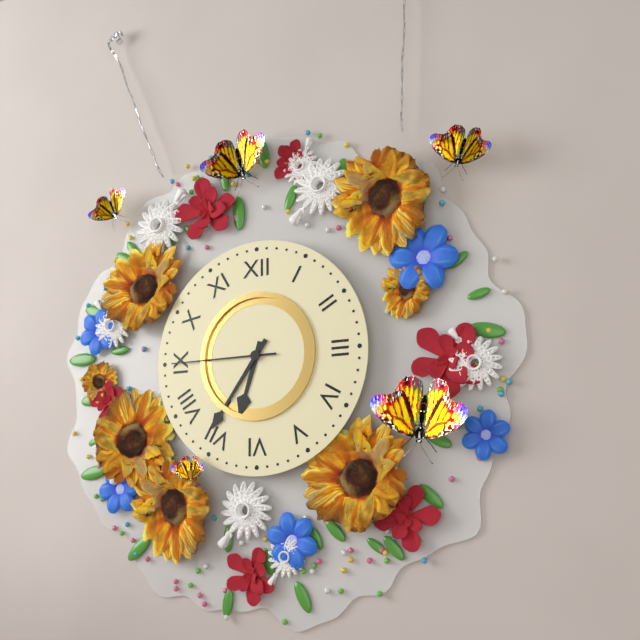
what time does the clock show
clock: 6:36:45
